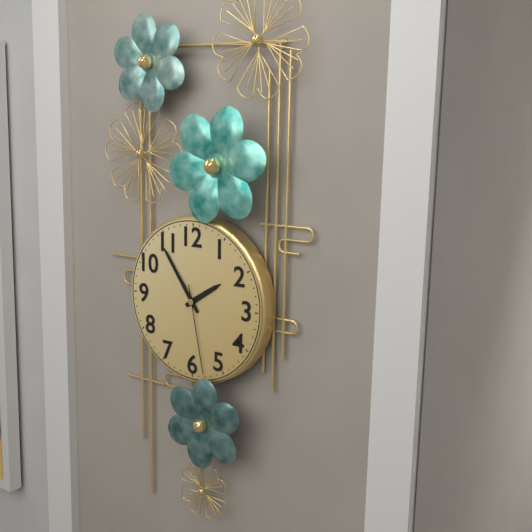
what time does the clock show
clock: 1:54:28
